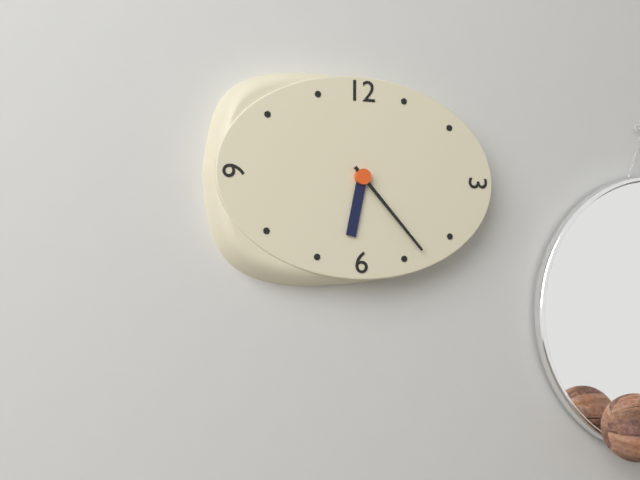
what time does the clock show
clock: 6:23
